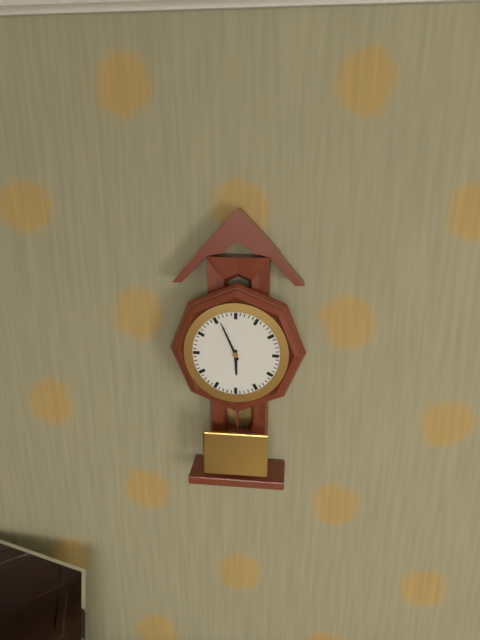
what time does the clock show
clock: 5:56
